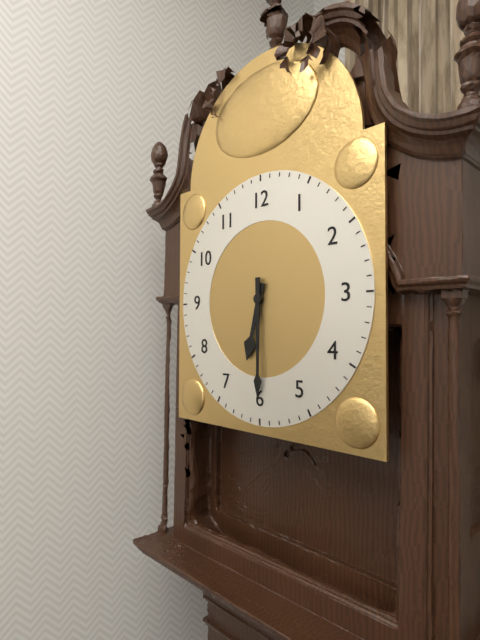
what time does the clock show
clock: 6:30
